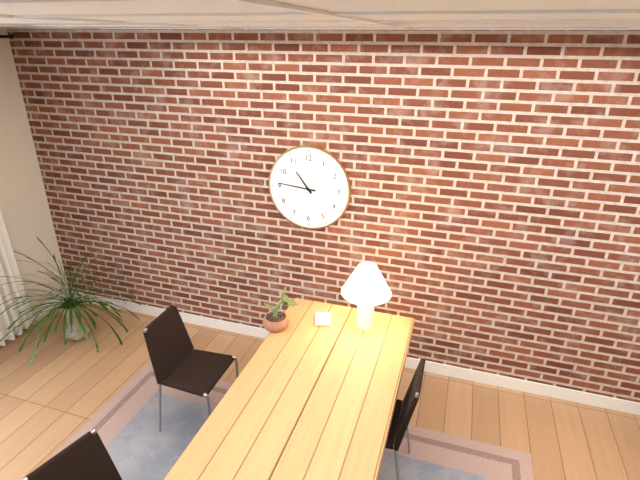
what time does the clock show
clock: 10:46
